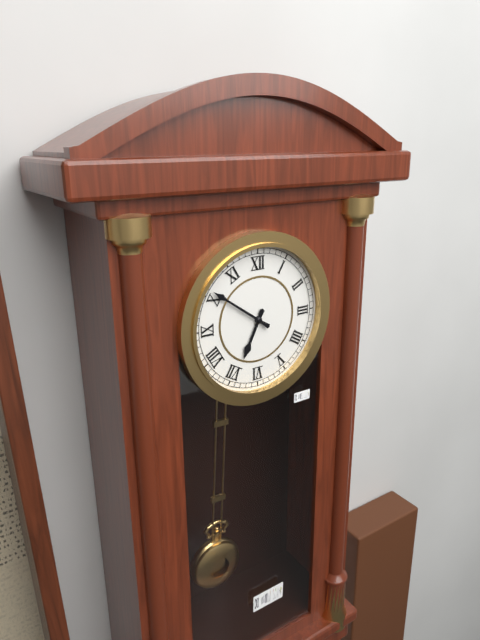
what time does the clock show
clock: 6:51
